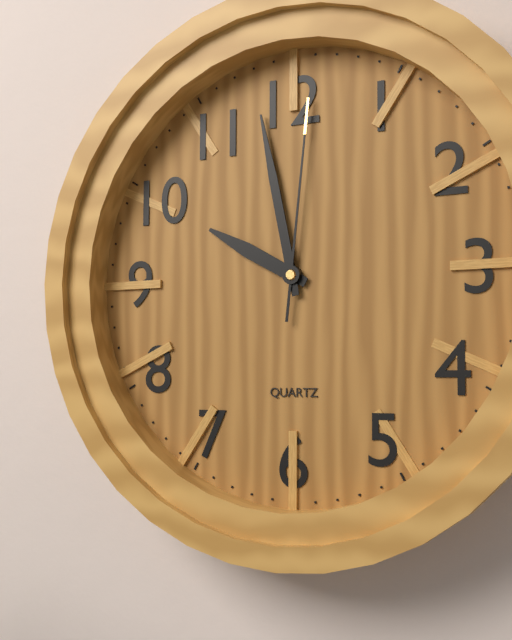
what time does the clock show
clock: 9:58:01
